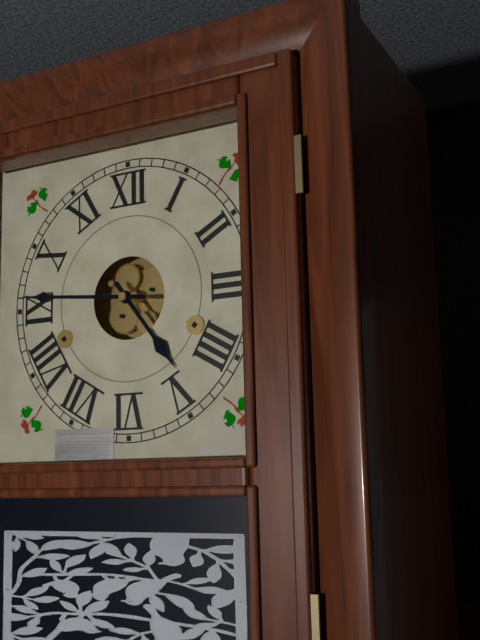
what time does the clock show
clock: 4:46
